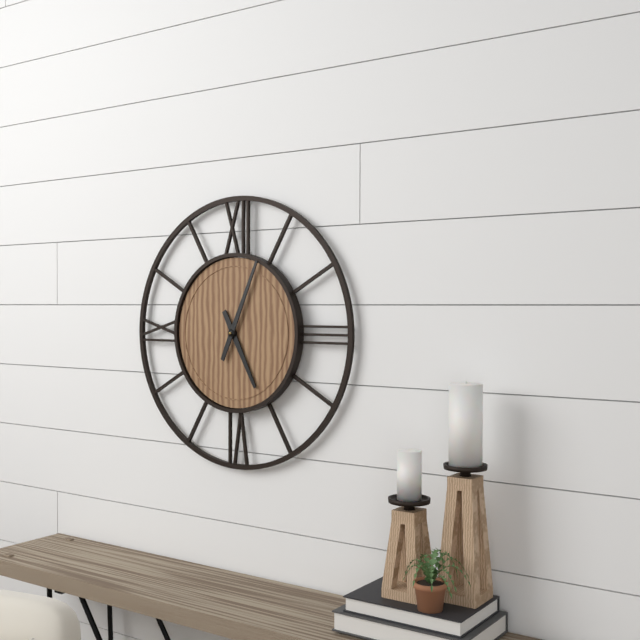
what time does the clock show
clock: 5:04
